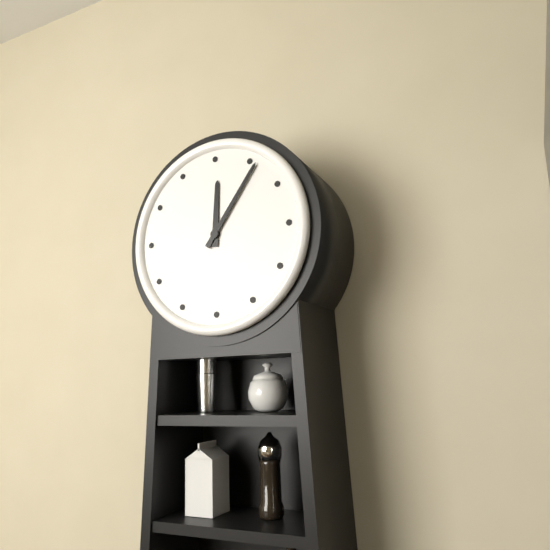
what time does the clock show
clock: 12:06
